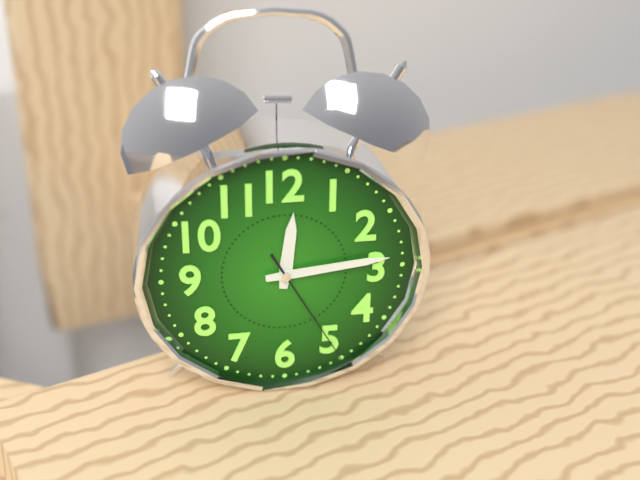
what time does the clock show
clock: 12:14:25
